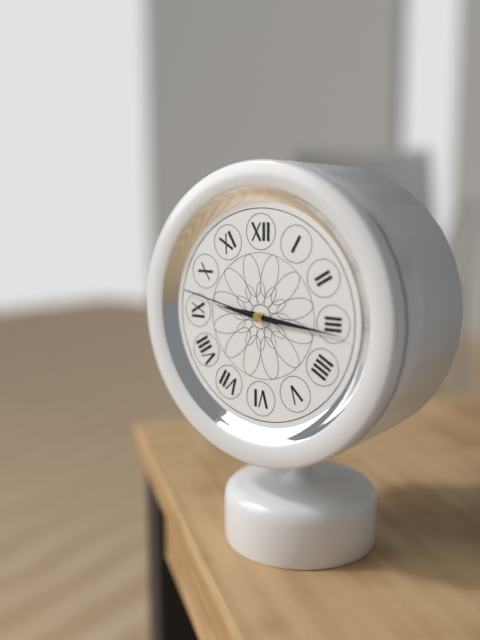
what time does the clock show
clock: 9:16:47
